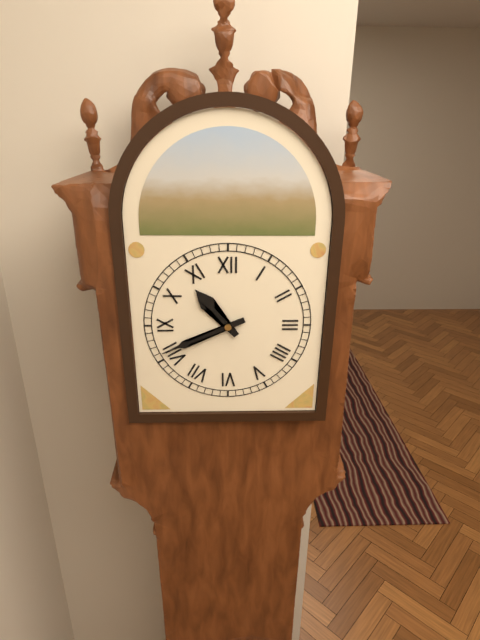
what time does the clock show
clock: 10:41
